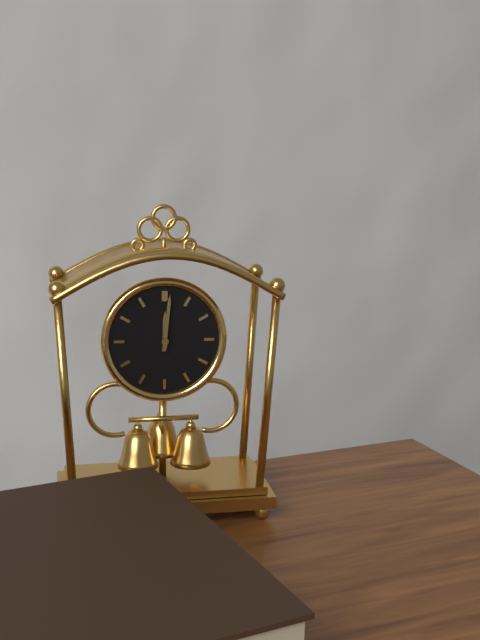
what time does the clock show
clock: 12:01
